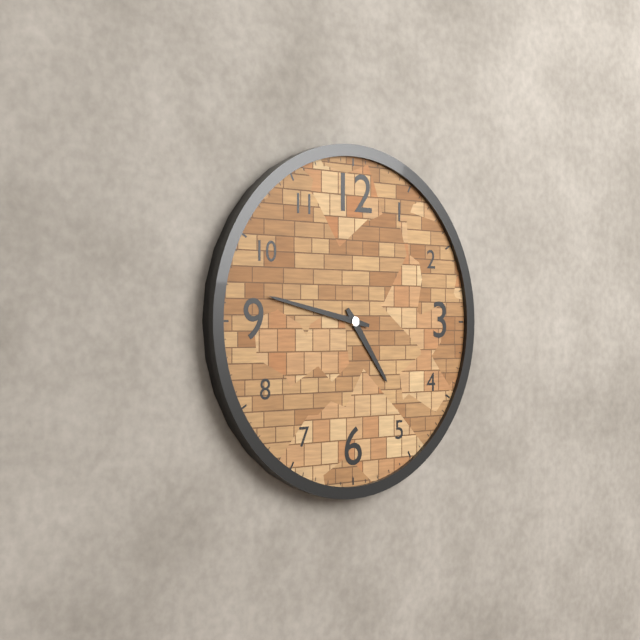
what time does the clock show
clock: 4:47
